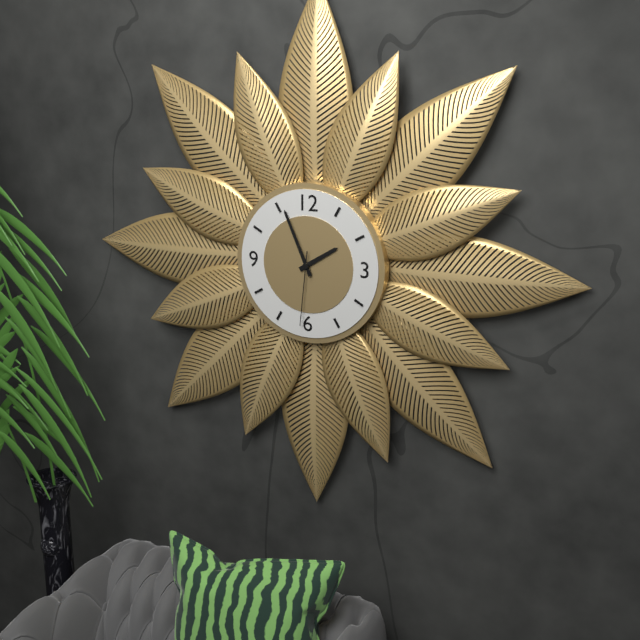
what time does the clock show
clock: 1:56:31
